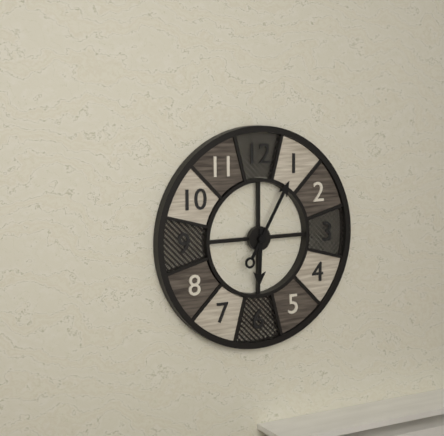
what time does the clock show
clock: 6:05
